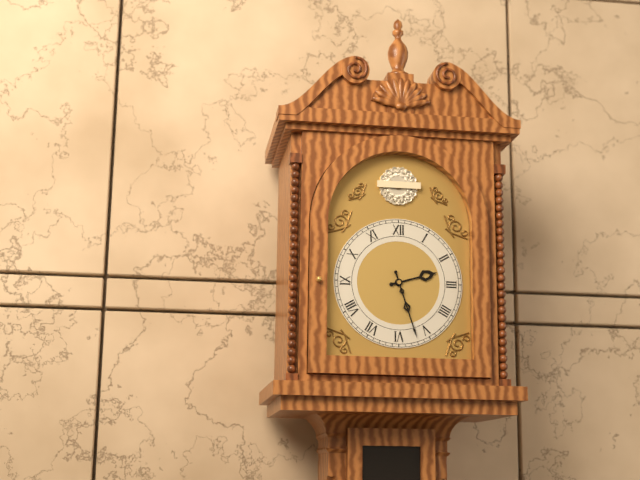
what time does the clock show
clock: 2:27
